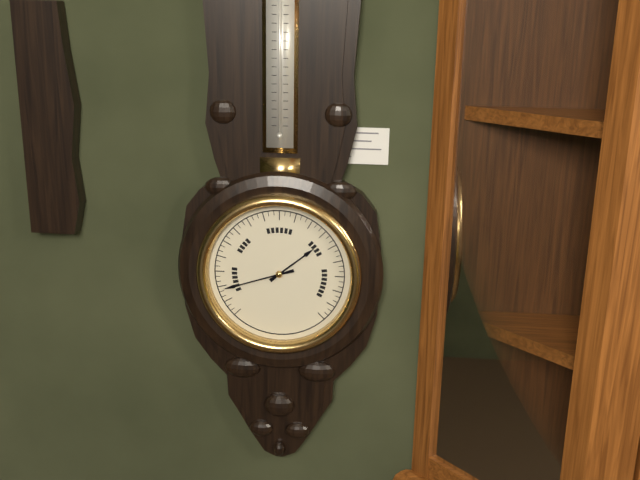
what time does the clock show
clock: 1:42
